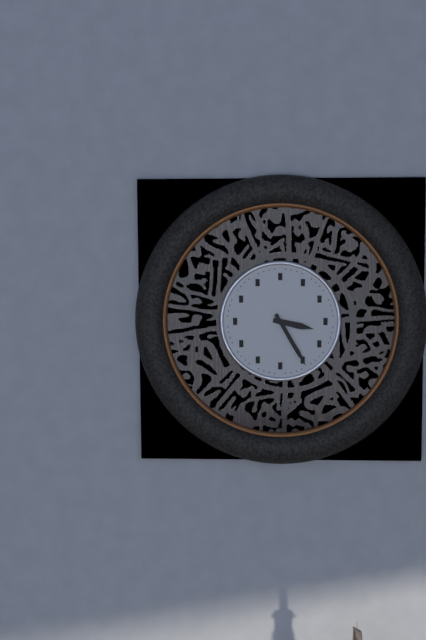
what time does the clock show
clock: 3:25
